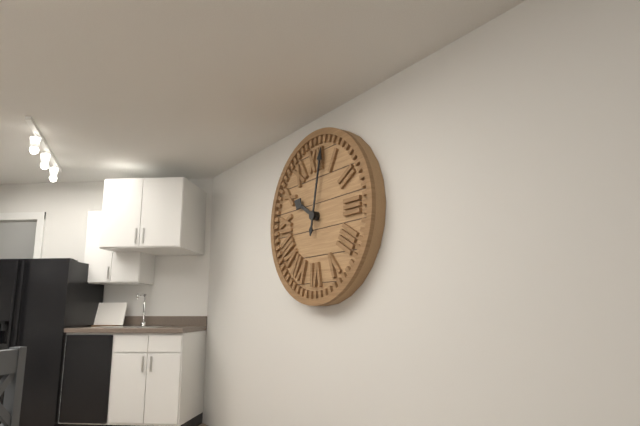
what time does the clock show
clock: 10:02
